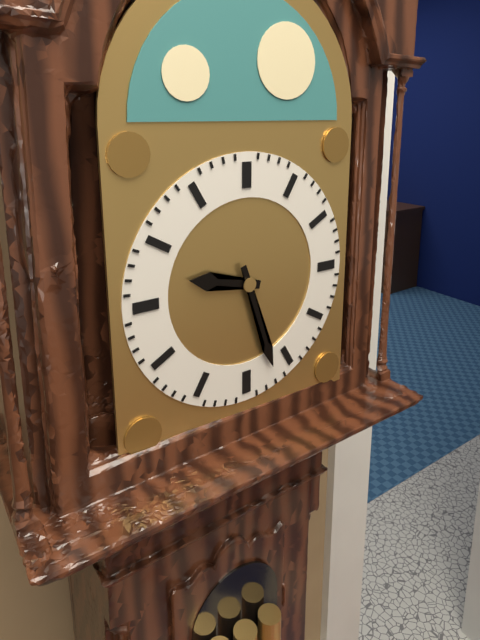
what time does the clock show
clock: 9:27
